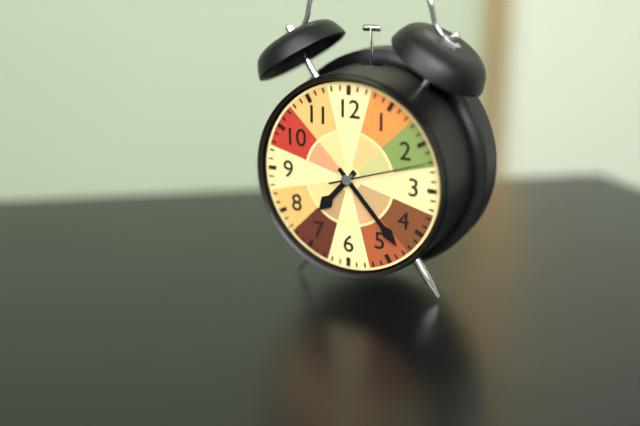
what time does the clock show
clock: 7:23:12
